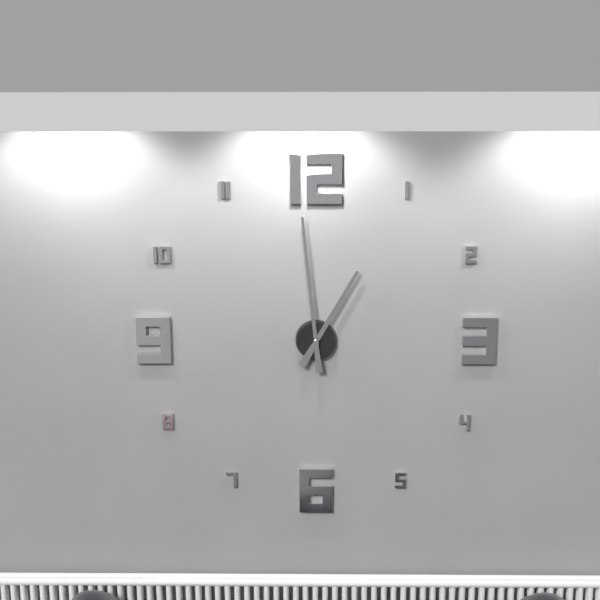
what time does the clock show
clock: 12:59
